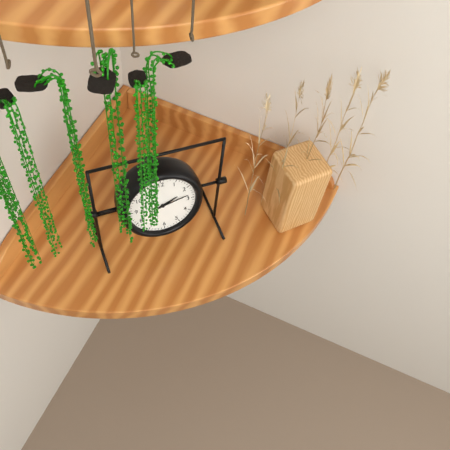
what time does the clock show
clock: 2:13
